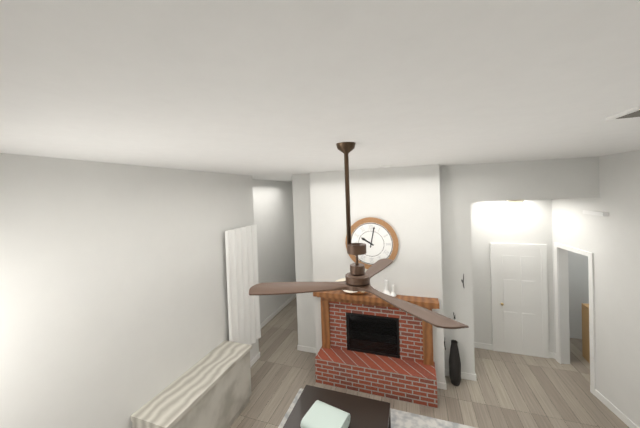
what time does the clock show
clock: 10:02
